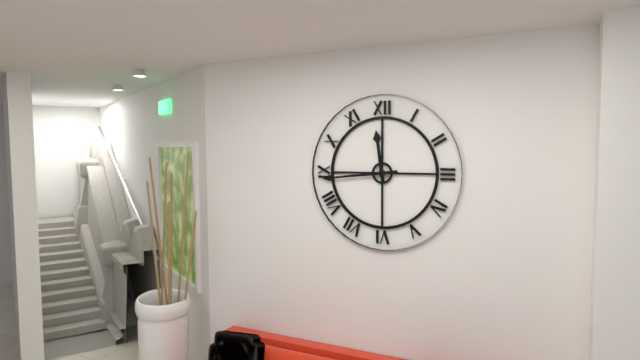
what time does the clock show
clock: 11:44
